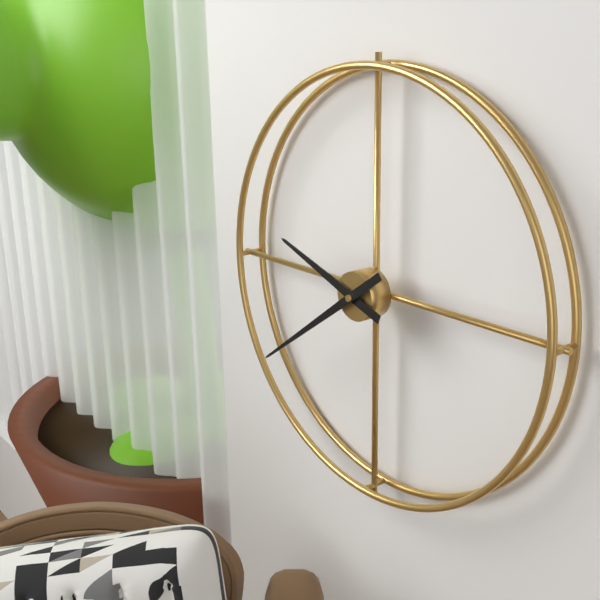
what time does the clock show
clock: 9:39
